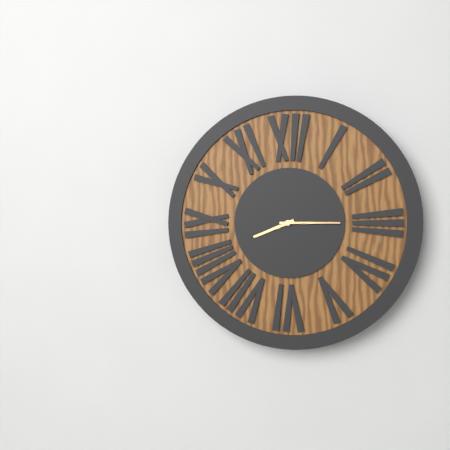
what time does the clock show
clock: 8:15
